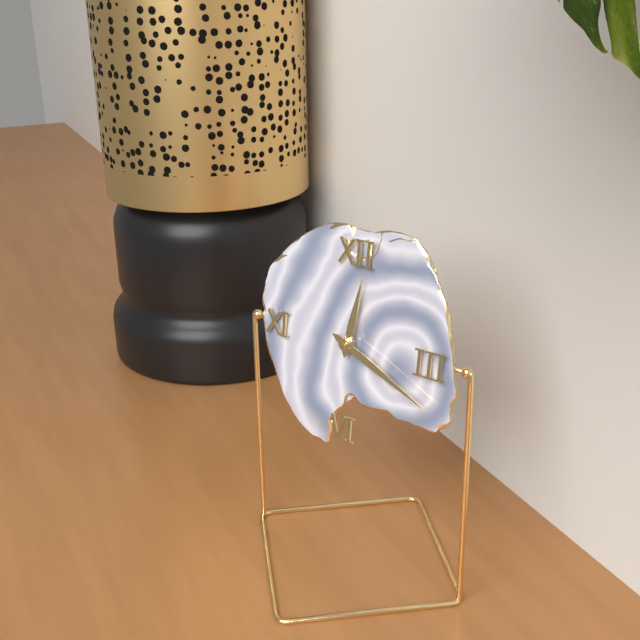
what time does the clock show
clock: 12:19
